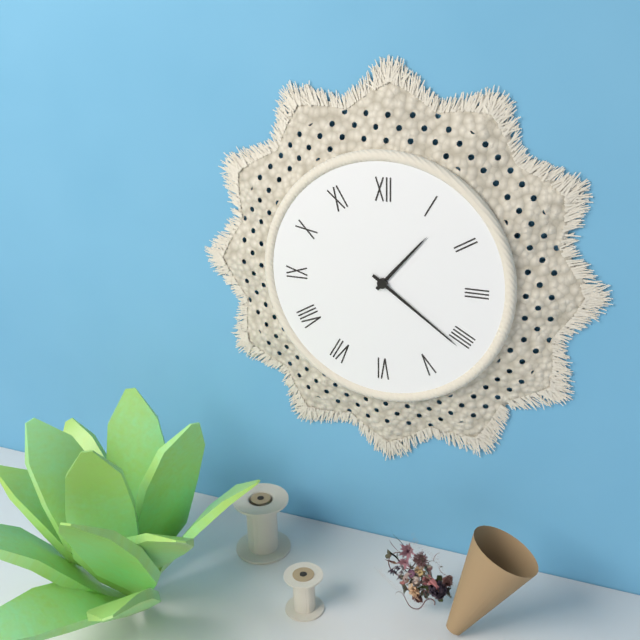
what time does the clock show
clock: 1:21
